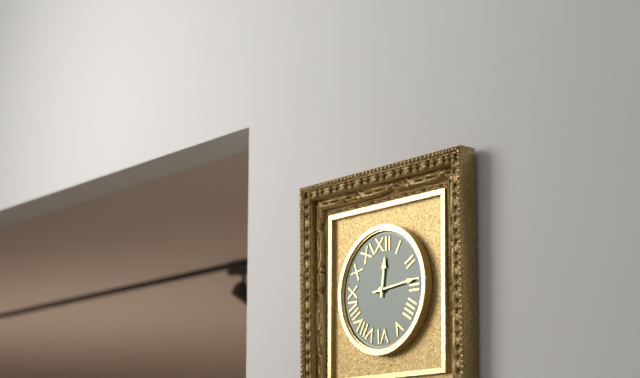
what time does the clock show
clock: 12:14
